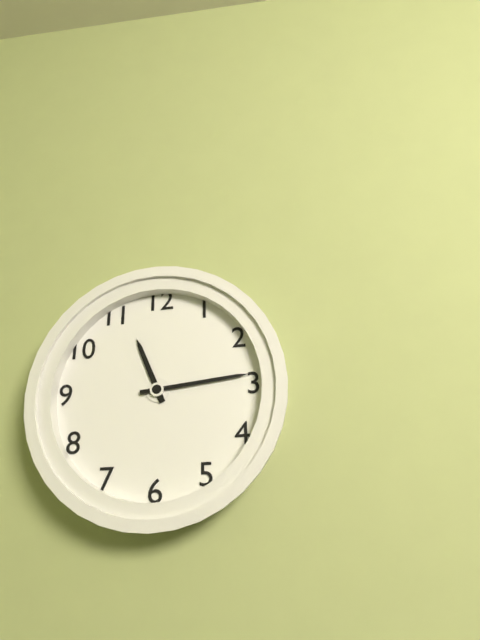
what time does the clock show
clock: 11:14
